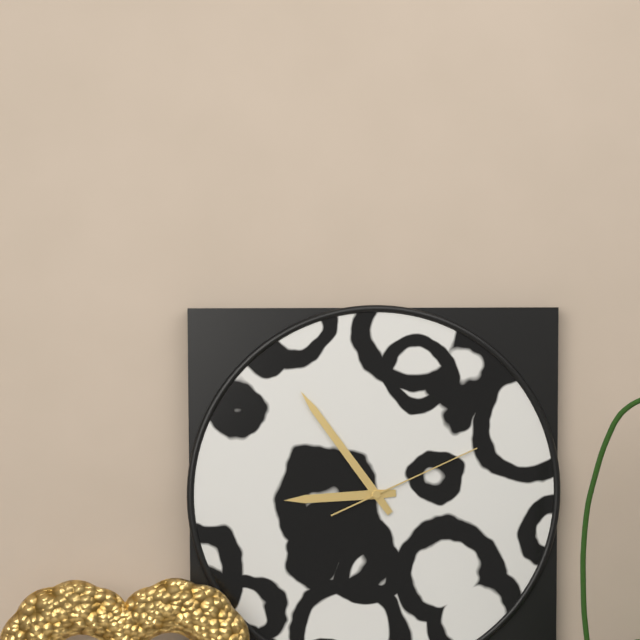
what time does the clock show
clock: 8:54:11
